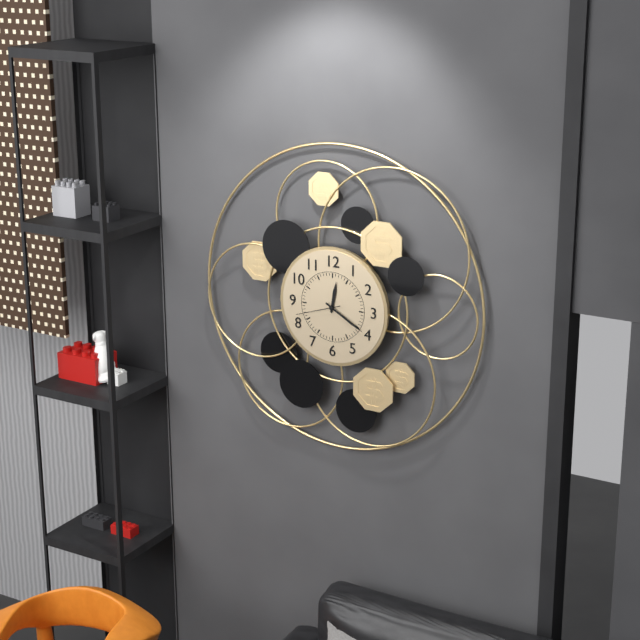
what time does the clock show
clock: 12:20
